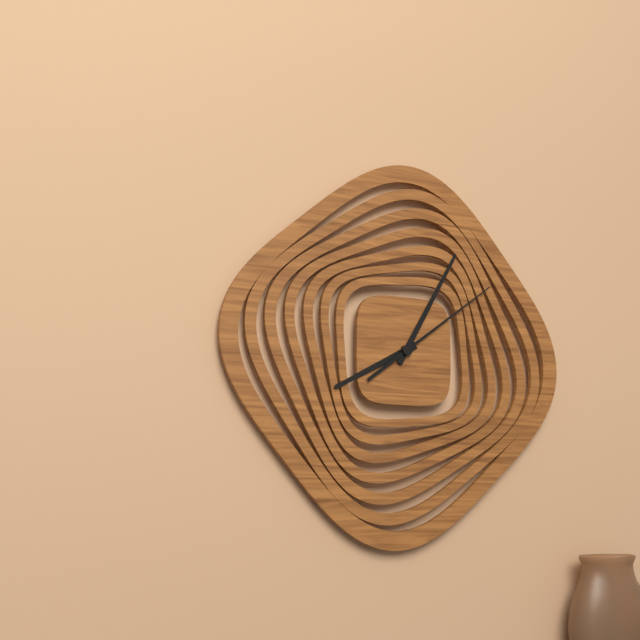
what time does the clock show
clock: 8:05:09
